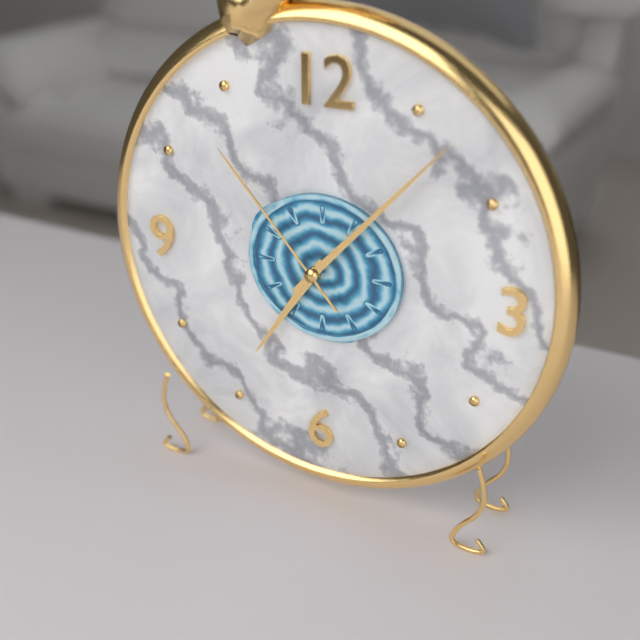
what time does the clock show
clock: 7:07:53
